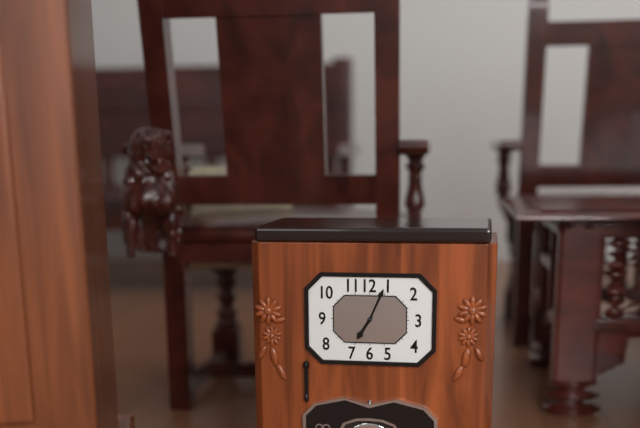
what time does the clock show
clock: 7:04
